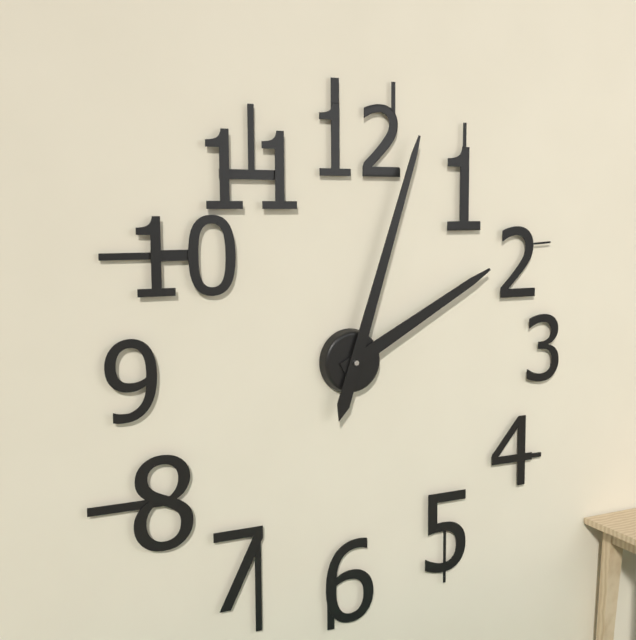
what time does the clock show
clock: 2:03
